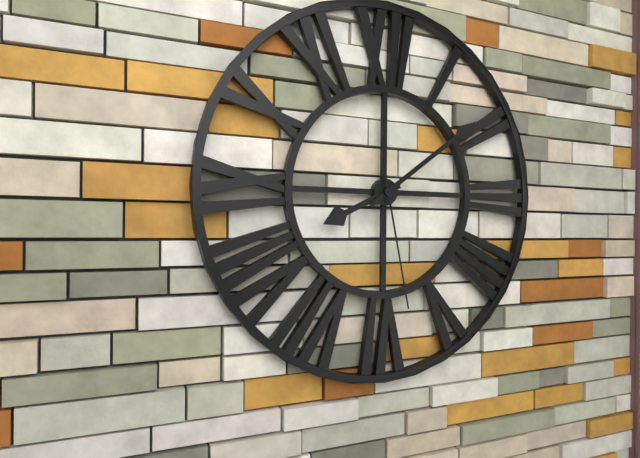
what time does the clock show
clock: 8:09:28
